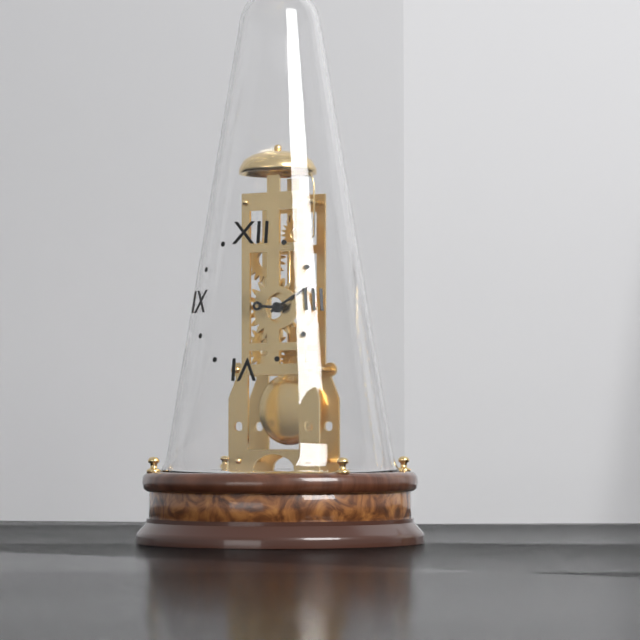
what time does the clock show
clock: 9:10
